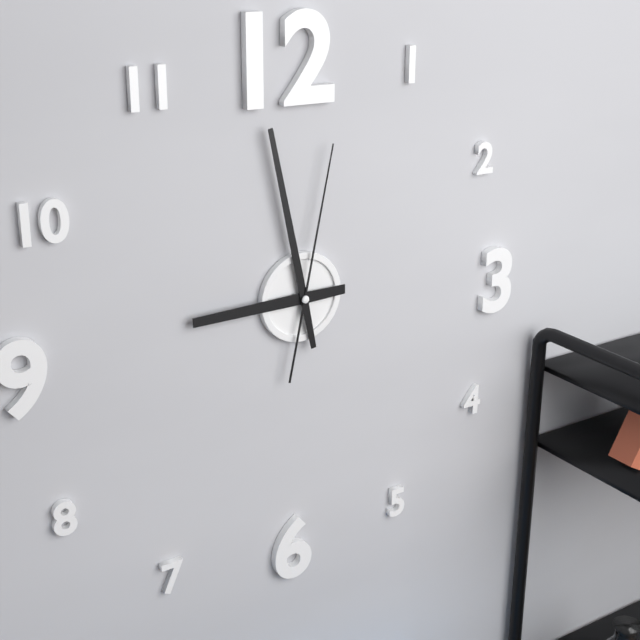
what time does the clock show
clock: 8:58:02
